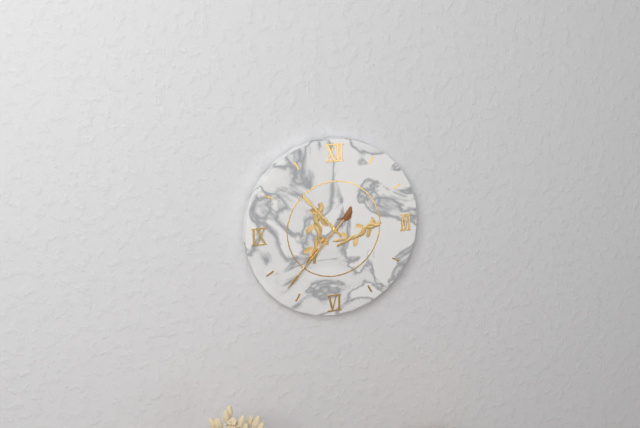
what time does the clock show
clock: 10:37
